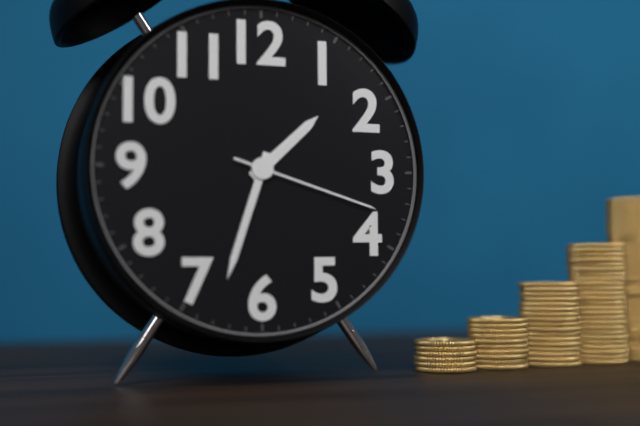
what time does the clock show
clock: 1:33:18
